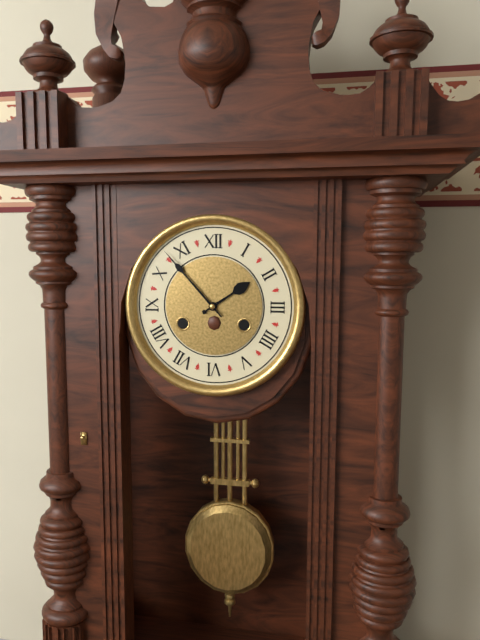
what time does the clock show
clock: 1:53
